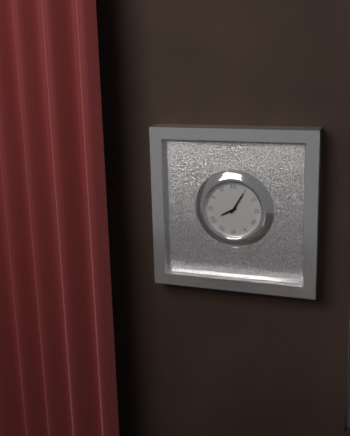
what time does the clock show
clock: 8:05
